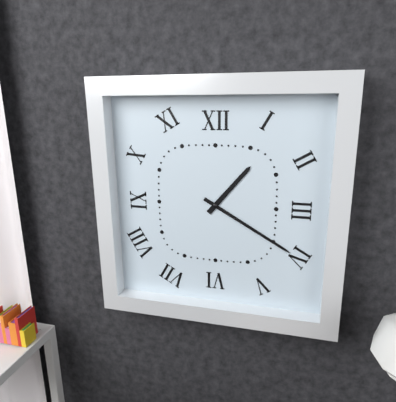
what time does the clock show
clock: 1:20
